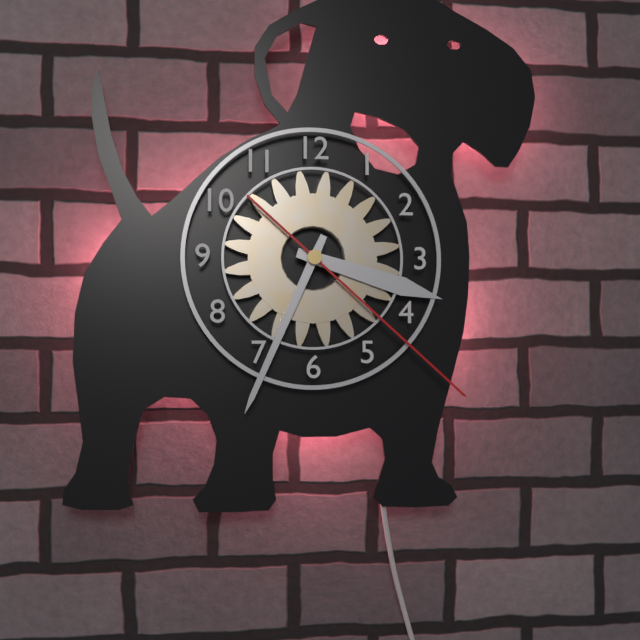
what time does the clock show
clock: 3:34:22
